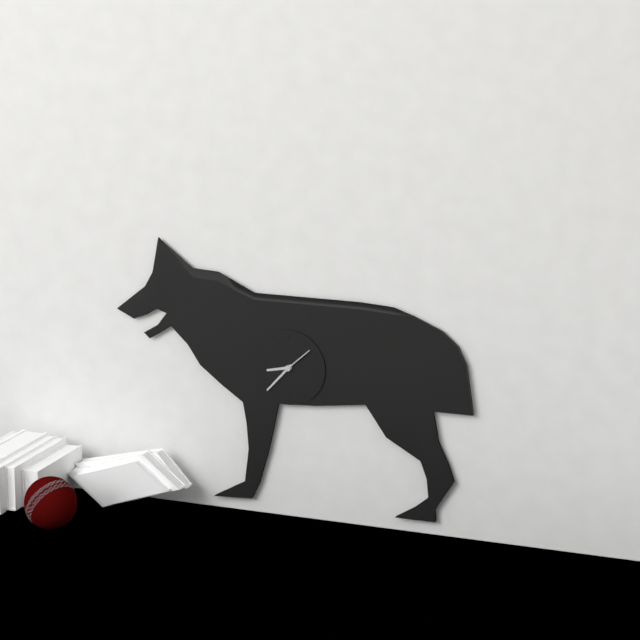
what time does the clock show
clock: 8:37
